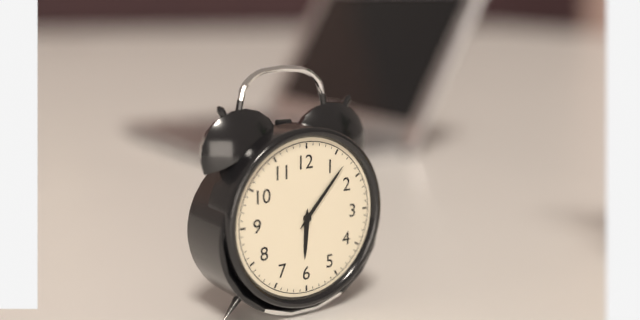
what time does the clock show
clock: 6:07
